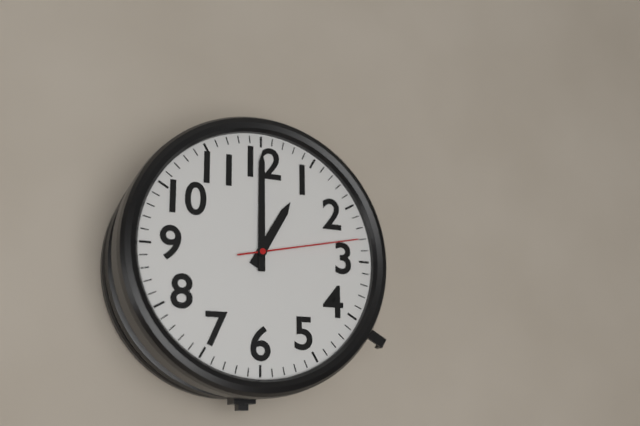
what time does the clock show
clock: 1:00:13
